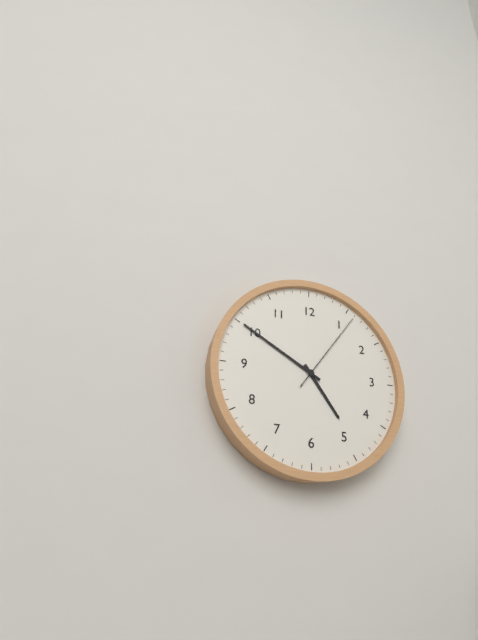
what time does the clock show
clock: 4:50:06
